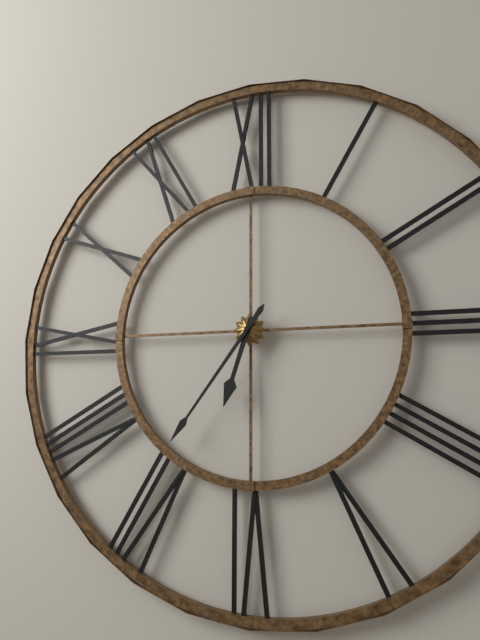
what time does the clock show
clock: 6:36
